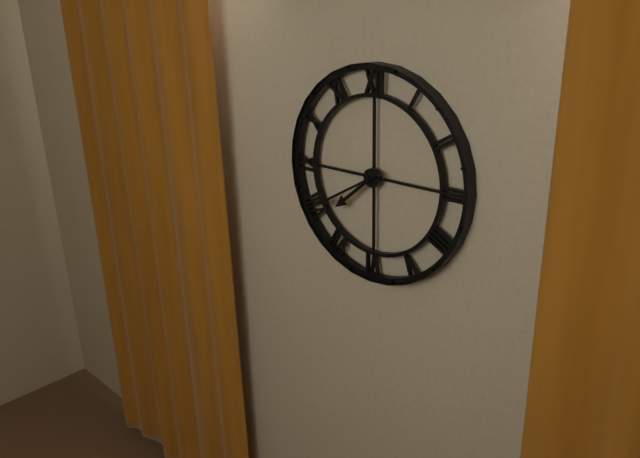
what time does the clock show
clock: 7:40
